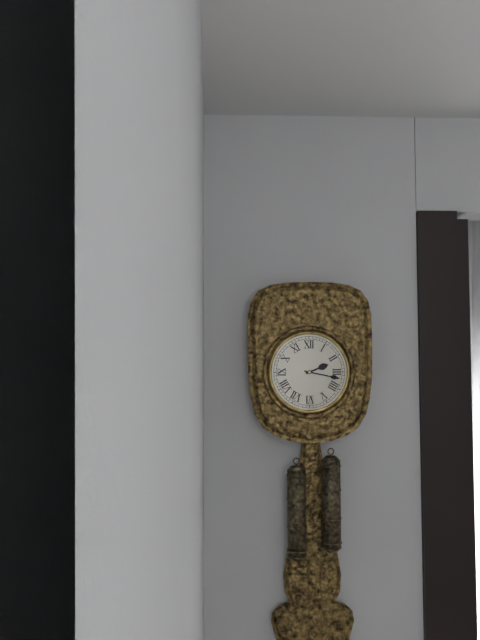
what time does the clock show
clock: 2:17
